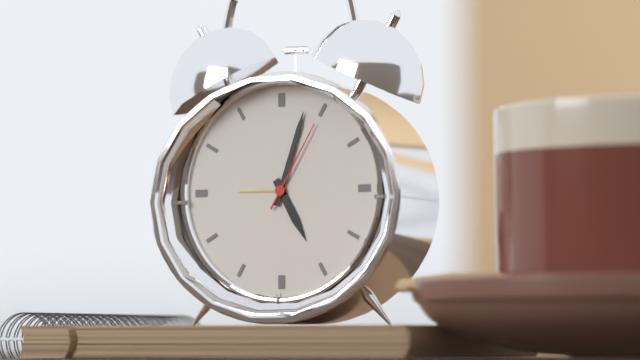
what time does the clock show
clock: 5:03:05
